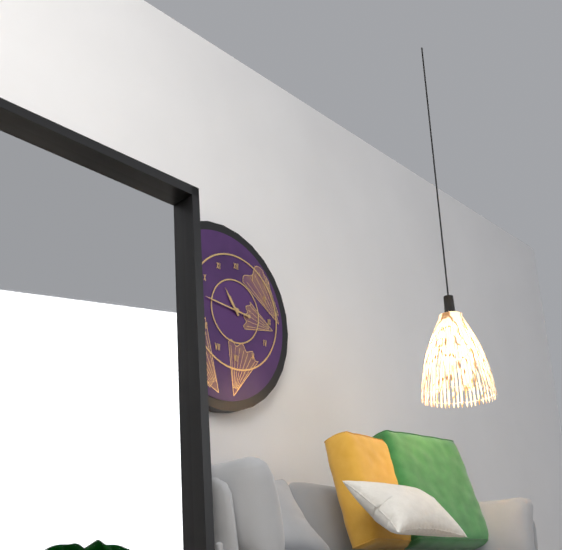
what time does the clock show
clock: 10:46
